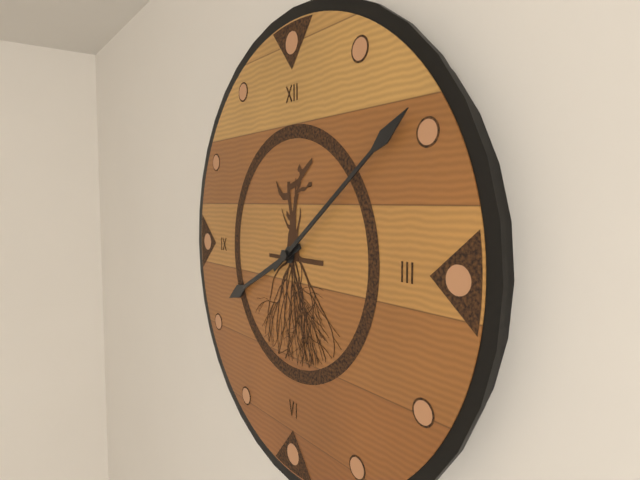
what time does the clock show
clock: 8:09
